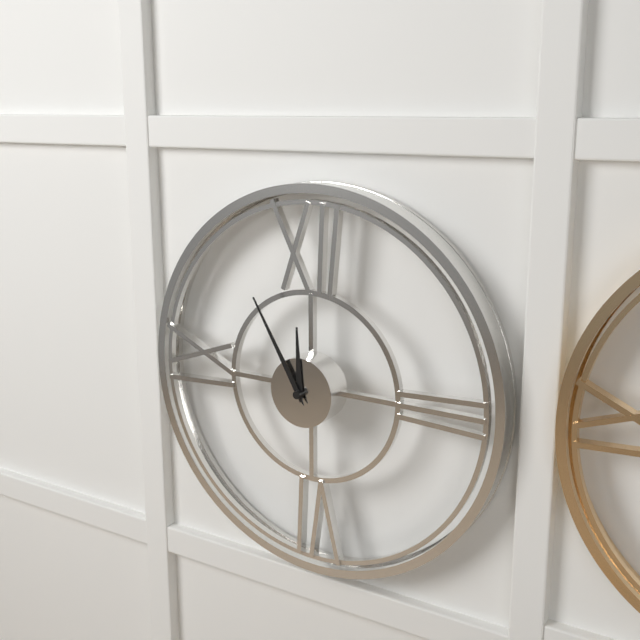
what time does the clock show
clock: 11:55
